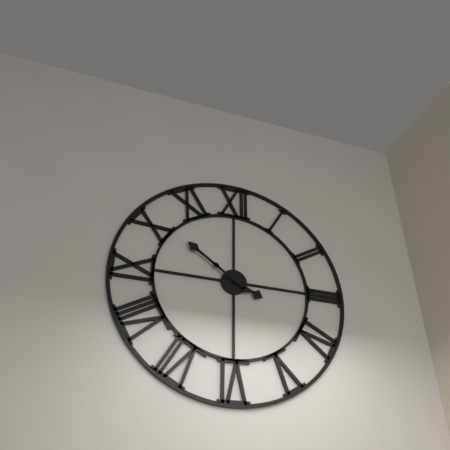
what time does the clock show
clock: 3:51
